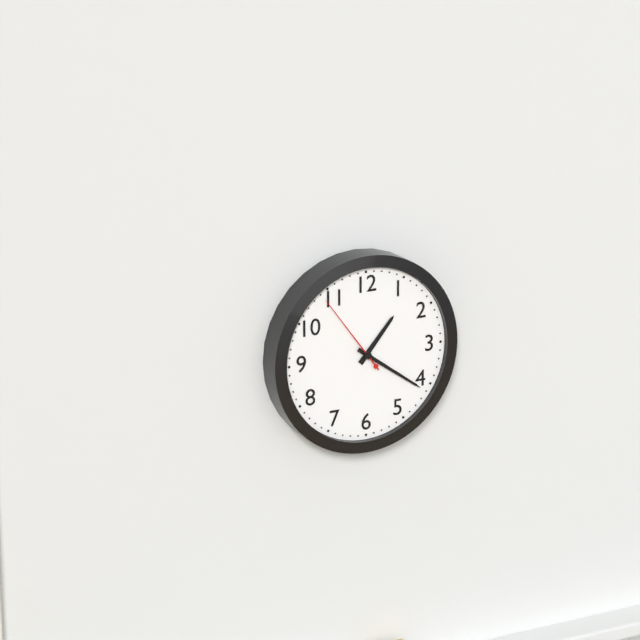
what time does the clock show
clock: 1:21:54
